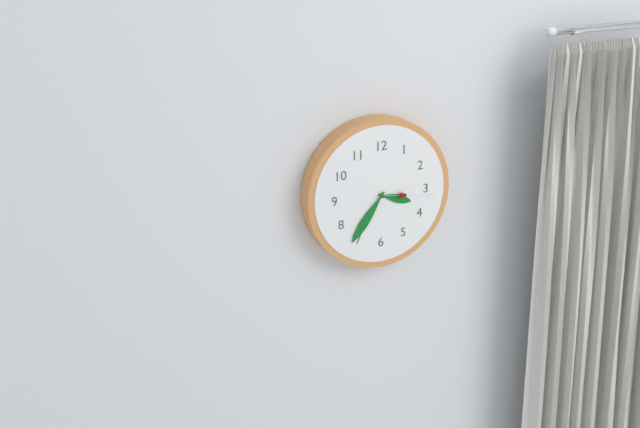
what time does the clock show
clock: 3:36:16
